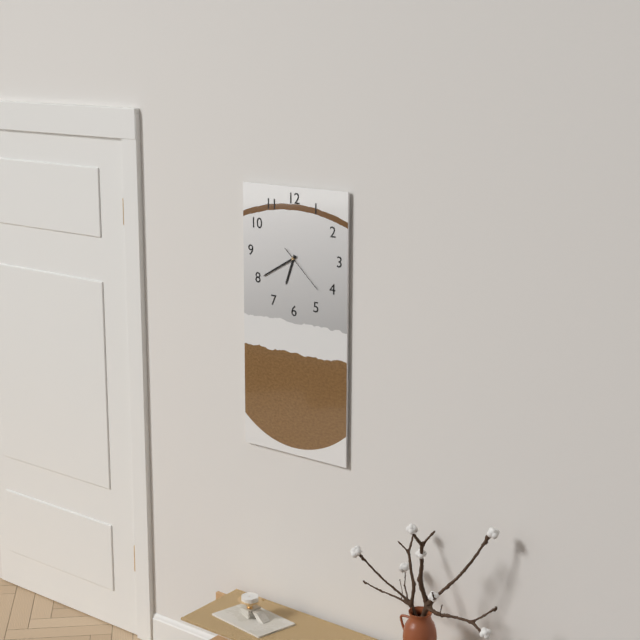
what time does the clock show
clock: 6:40
